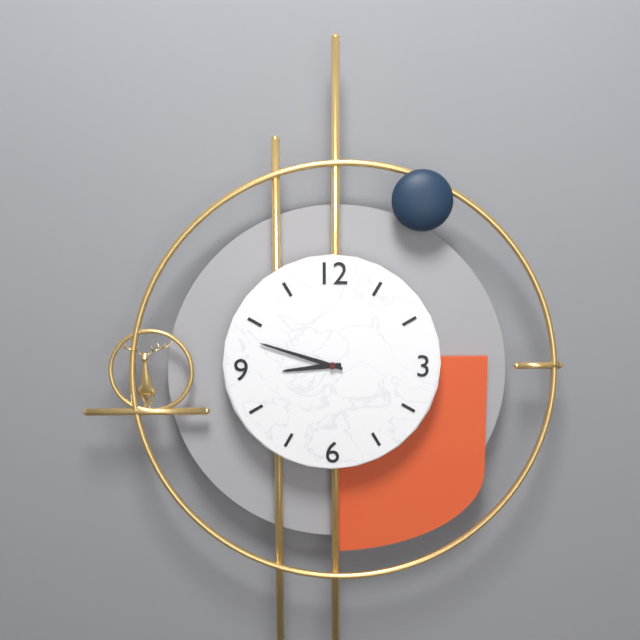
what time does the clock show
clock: 8:48
